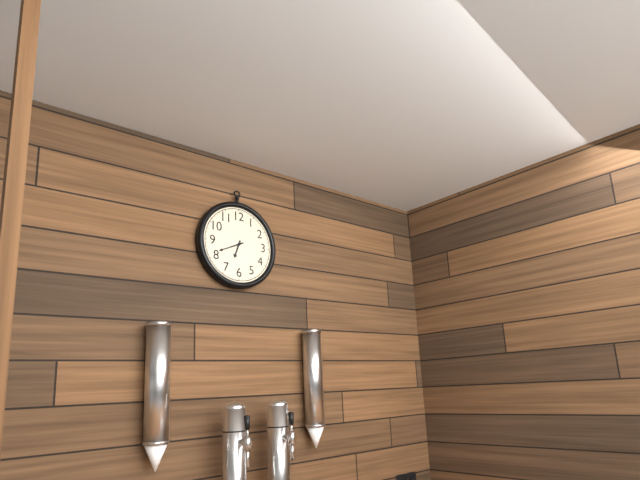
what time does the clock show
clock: 6:41
